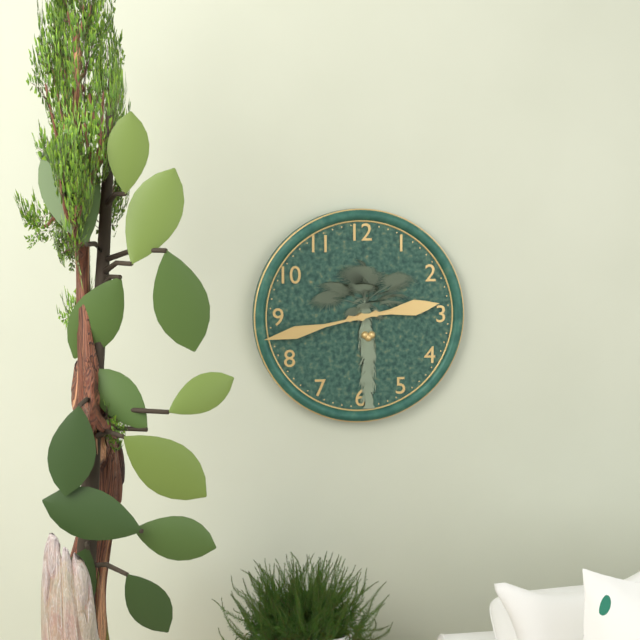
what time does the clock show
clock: 2:43
